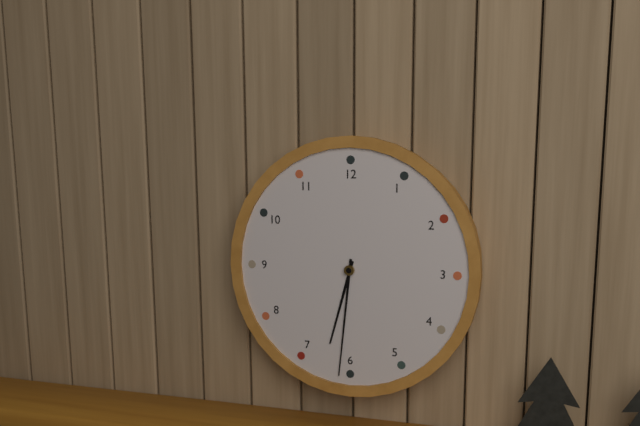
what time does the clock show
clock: 6:31
